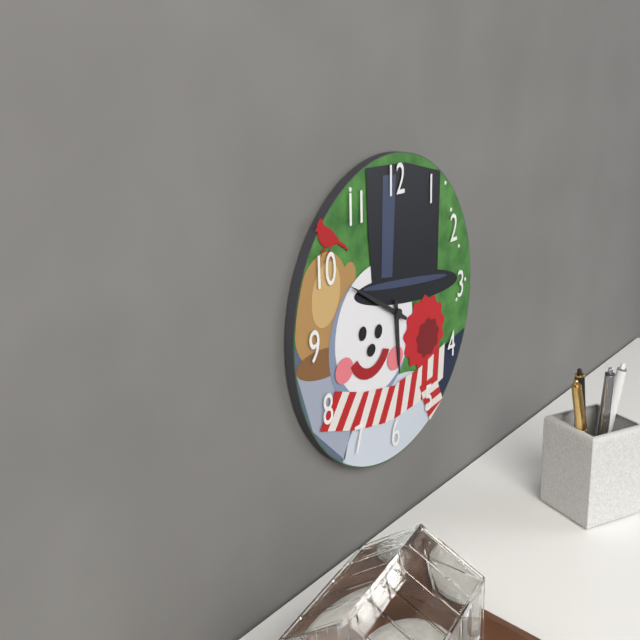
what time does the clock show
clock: 5:50
